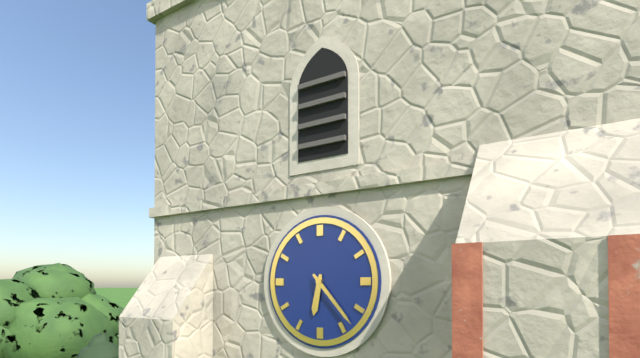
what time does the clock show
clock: 6:23
